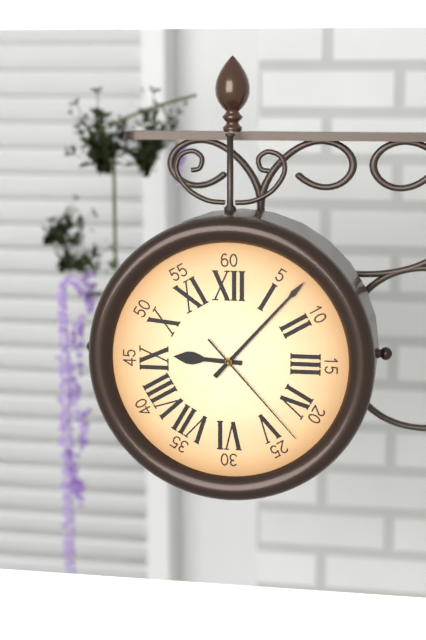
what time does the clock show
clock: 9:07:23
